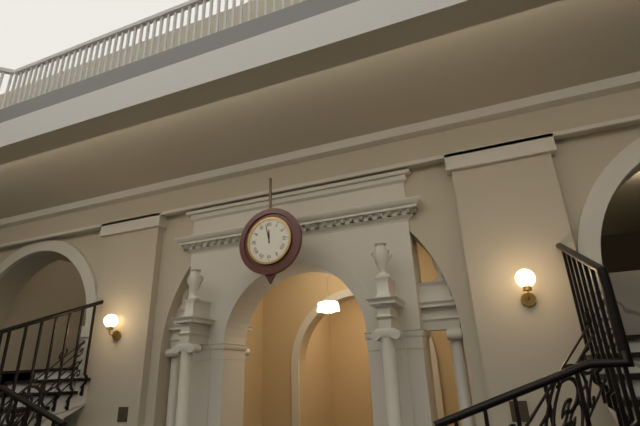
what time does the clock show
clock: 11:58
